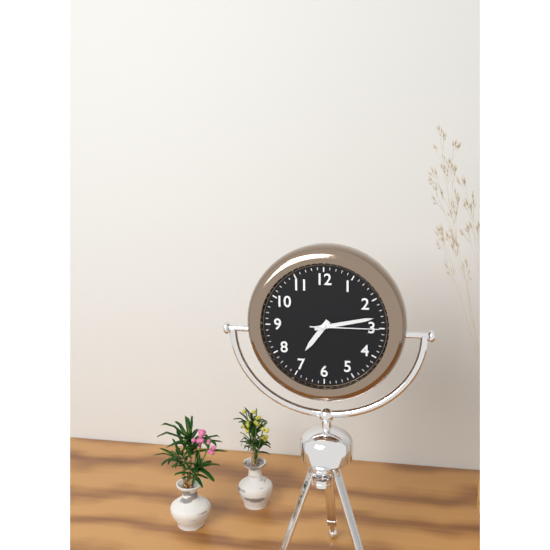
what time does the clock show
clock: 7:13:15
